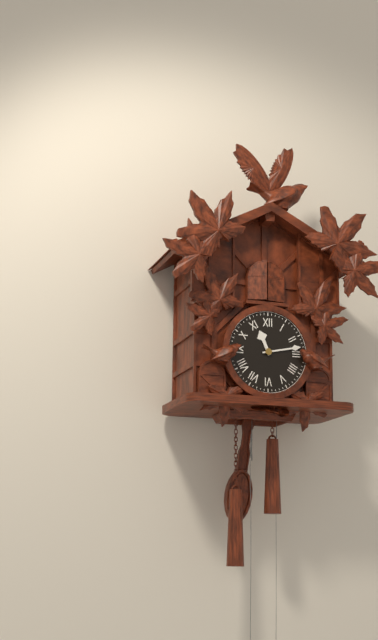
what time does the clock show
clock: 11:13
